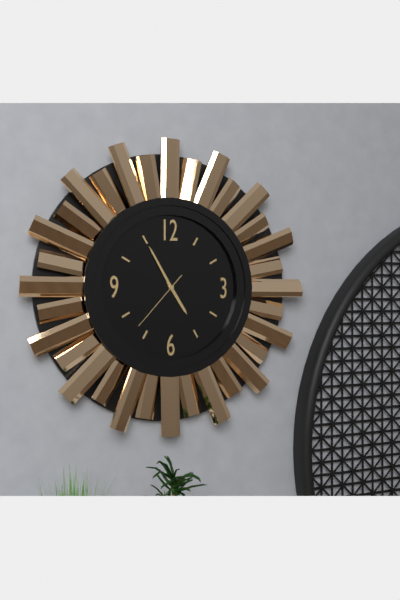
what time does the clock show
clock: 4:55:37
